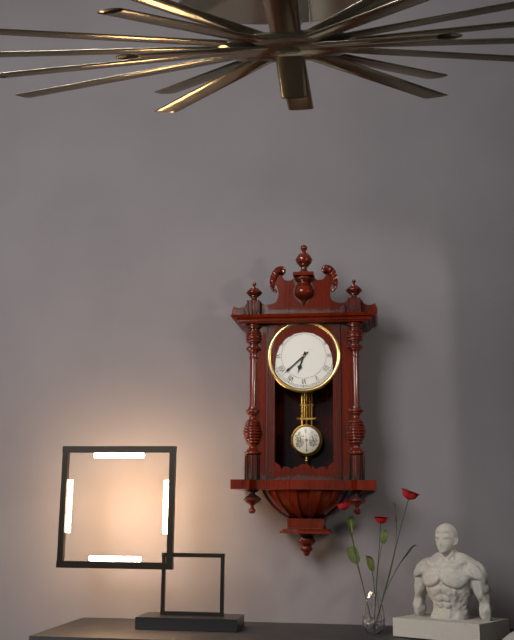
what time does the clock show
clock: 6:38
